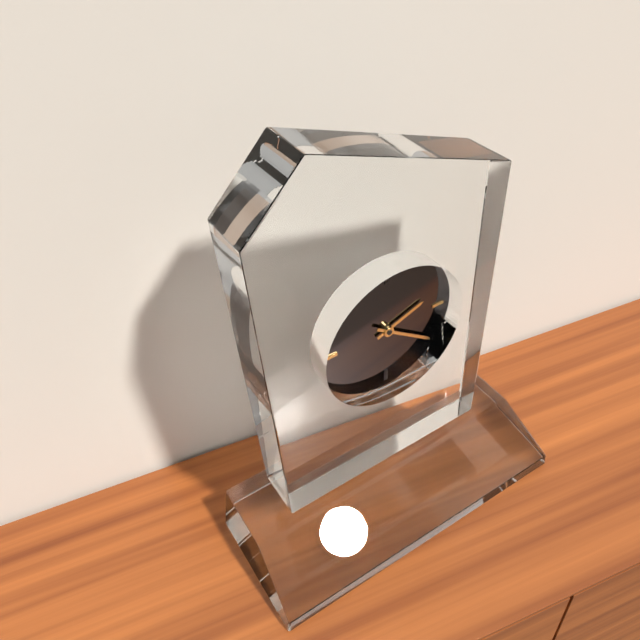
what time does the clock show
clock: 2:21
